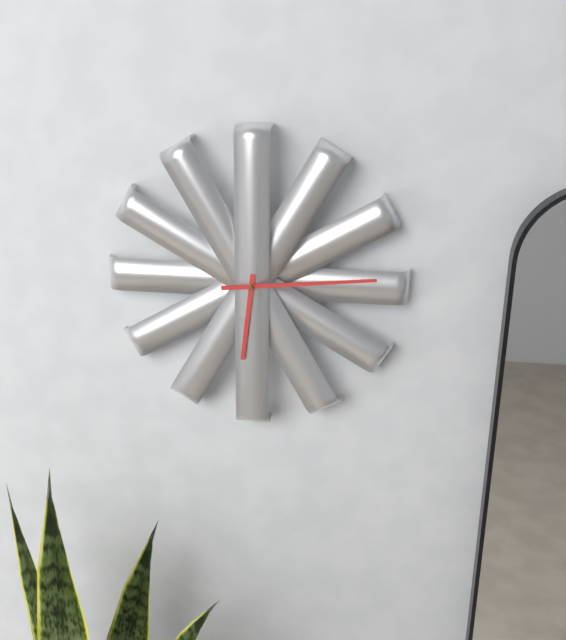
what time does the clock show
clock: 6:14
